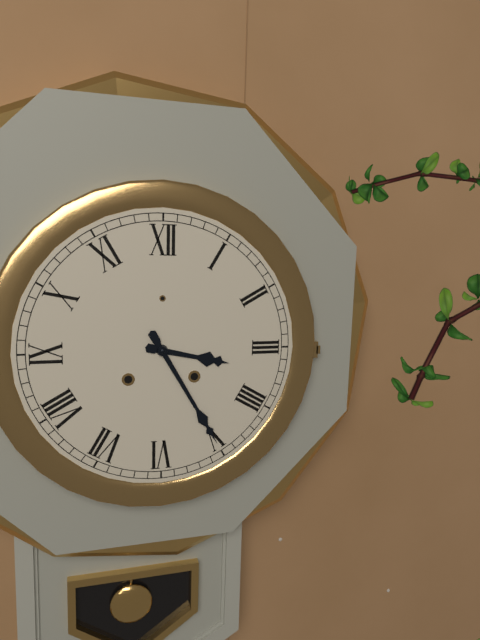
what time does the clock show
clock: 3:25
